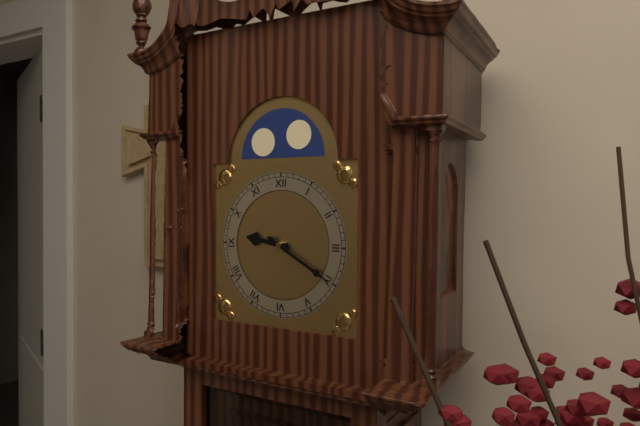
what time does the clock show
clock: 9:20
